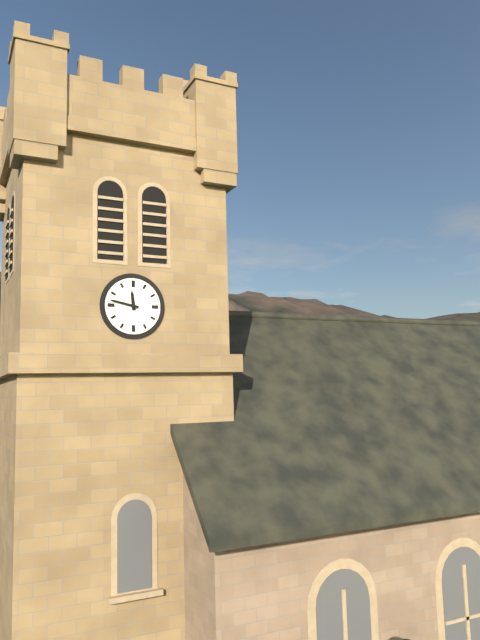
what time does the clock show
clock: 11:47
